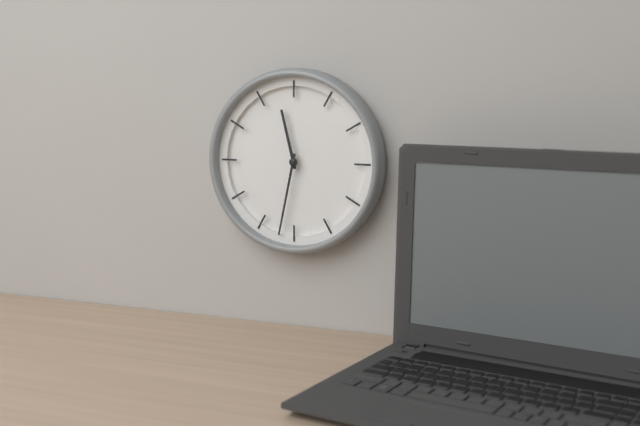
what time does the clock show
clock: 11:32
